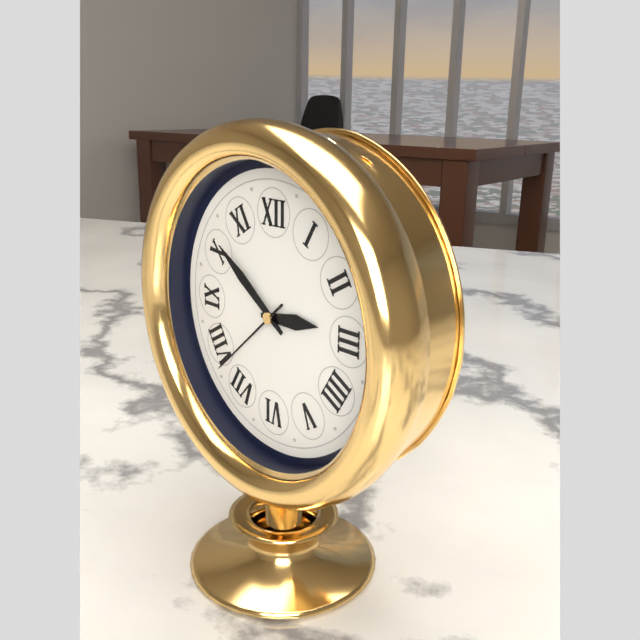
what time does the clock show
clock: 2:51:38
